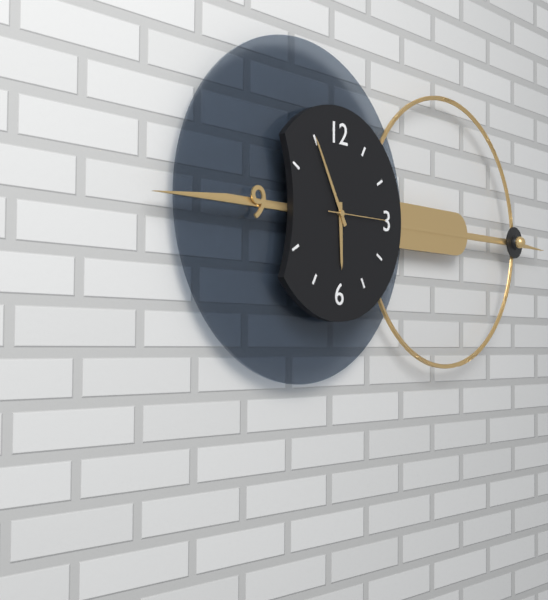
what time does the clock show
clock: 5:55:15
